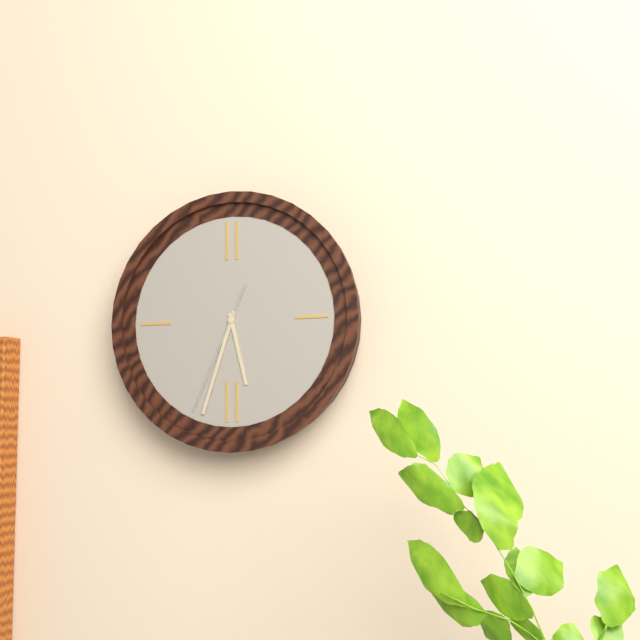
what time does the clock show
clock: 5:33:34
